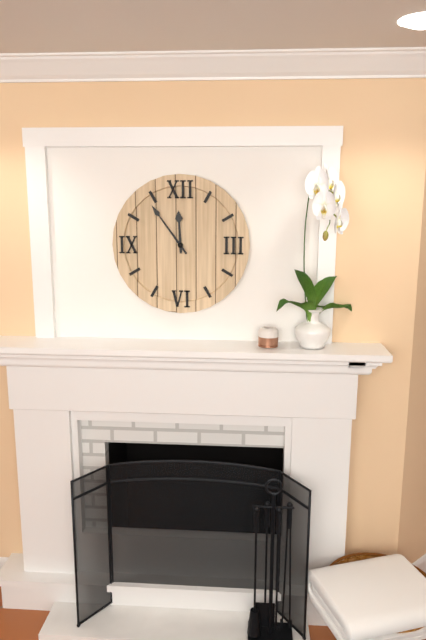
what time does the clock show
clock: 11:54
